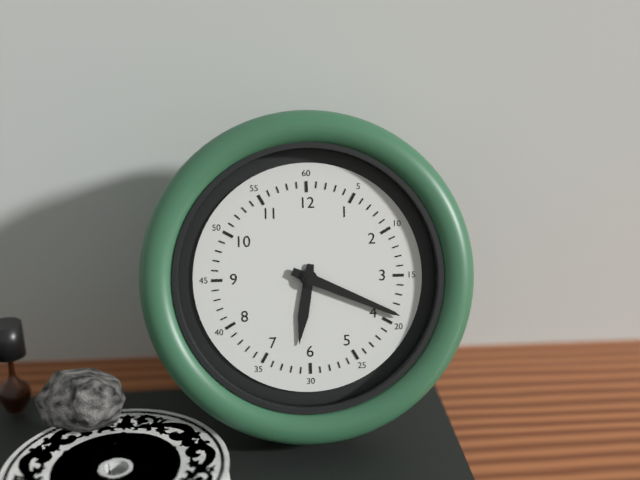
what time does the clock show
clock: 6:19
